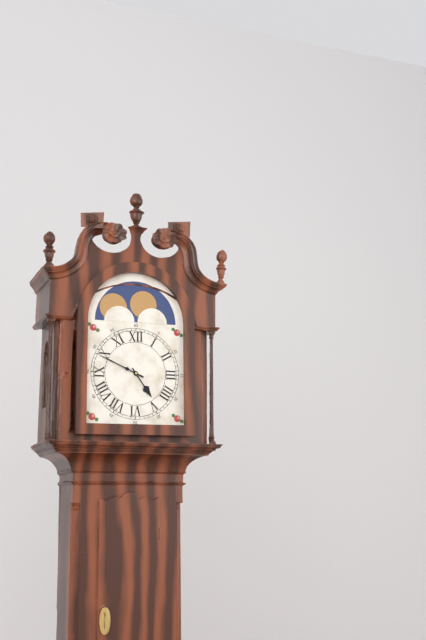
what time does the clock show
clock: 4:49
